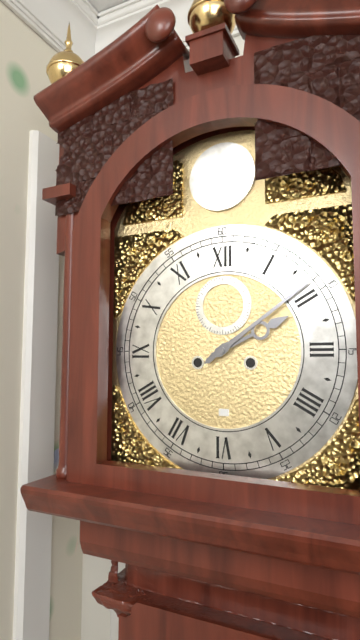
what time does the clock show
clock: 2:09
